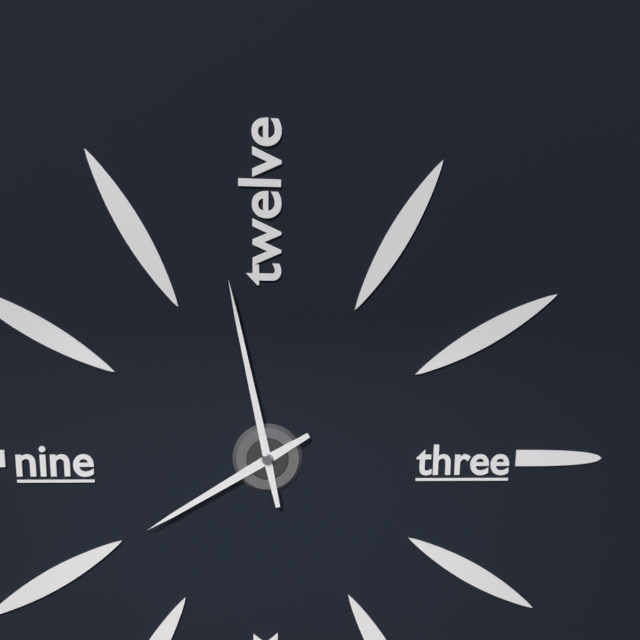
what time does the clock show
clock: 7:58
